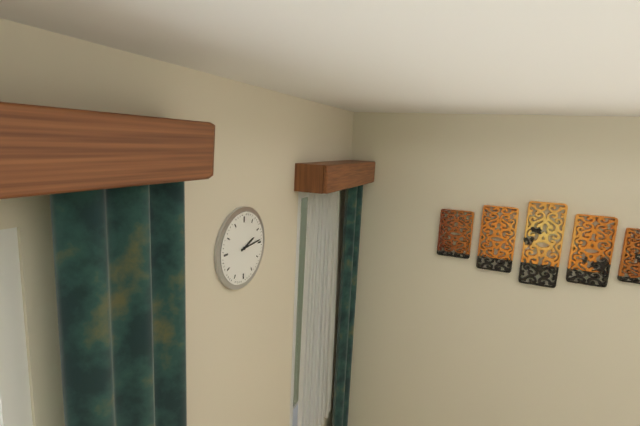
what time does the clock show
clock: 2:14
